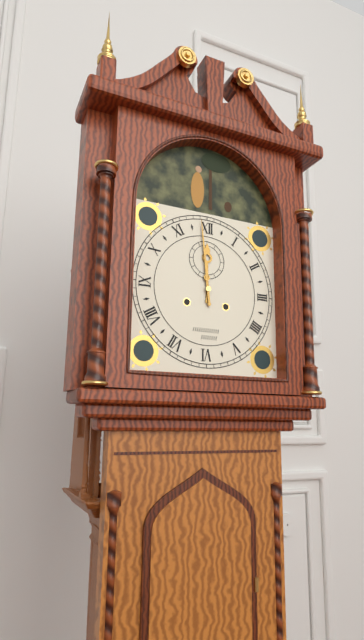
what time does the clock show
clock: 11:59
